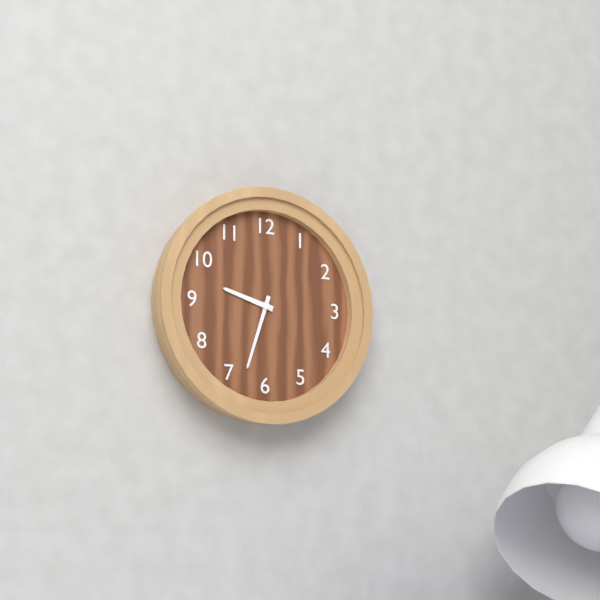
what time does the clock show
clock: 9:33
